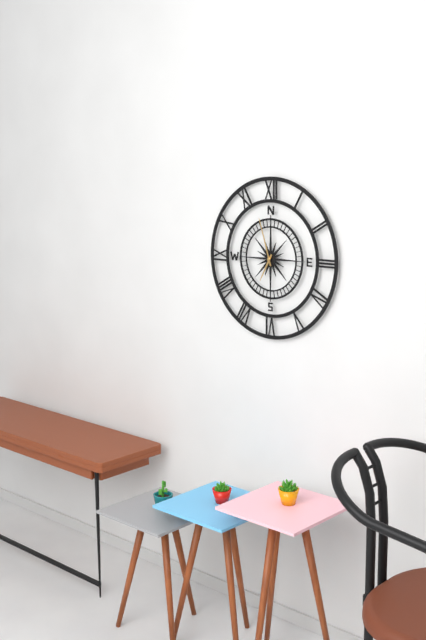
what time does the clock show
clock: 6:57
